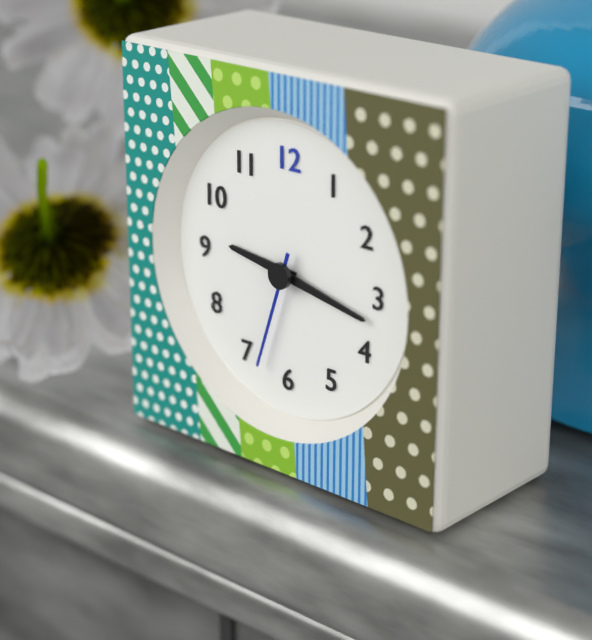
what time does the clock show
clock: 9:17:33
